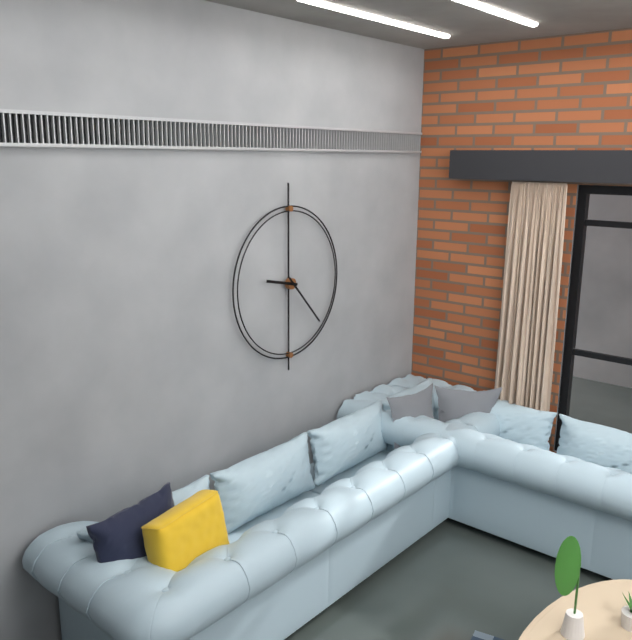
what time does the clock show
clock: 9:23
